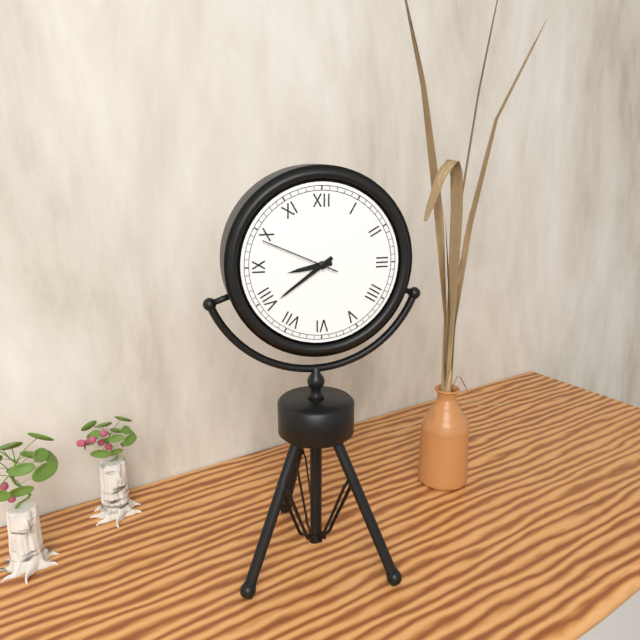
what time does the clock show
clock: 8:39:49
